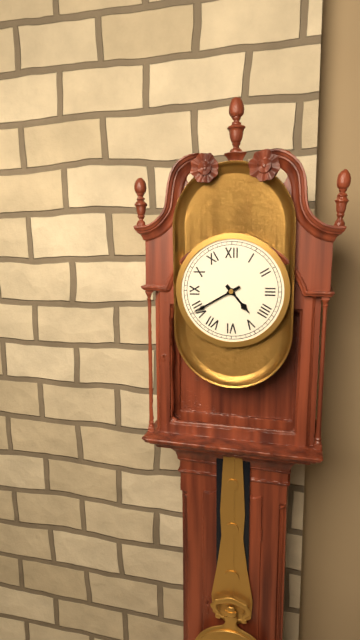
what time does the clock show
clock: 4:40
